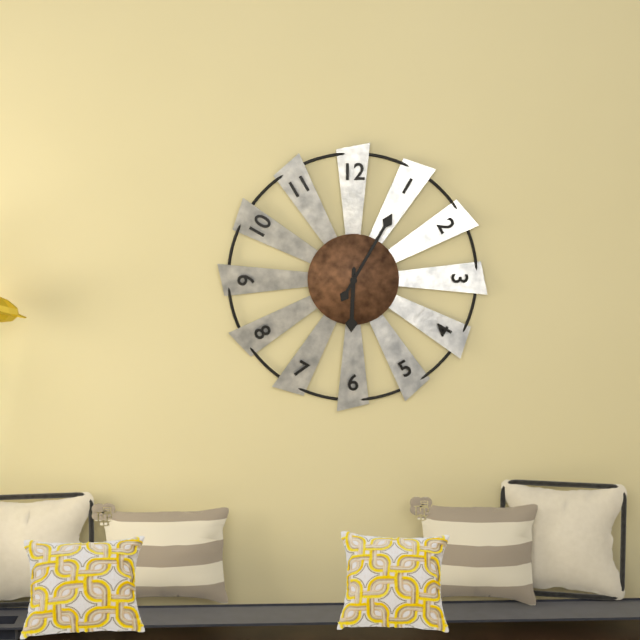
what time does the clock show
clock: 6:05
